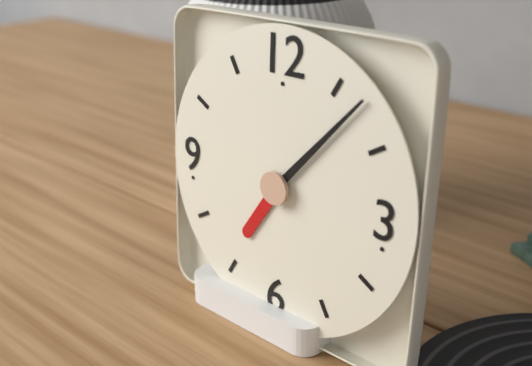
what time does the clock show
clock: 7:07
